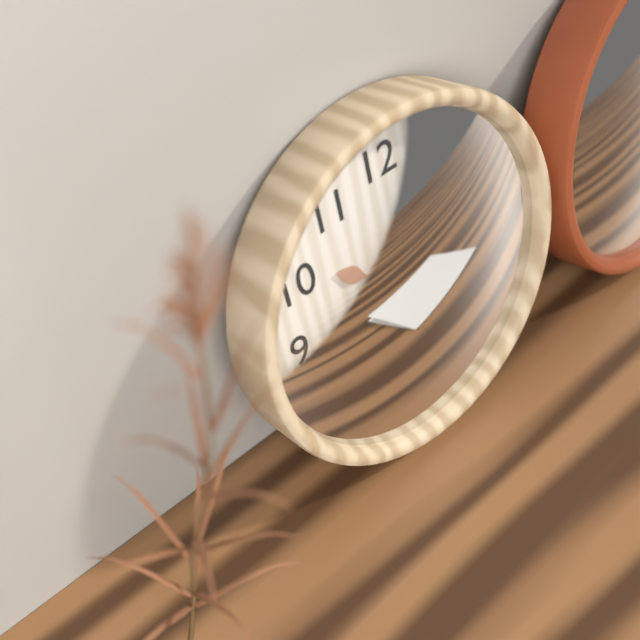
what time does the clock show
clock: 10:10
